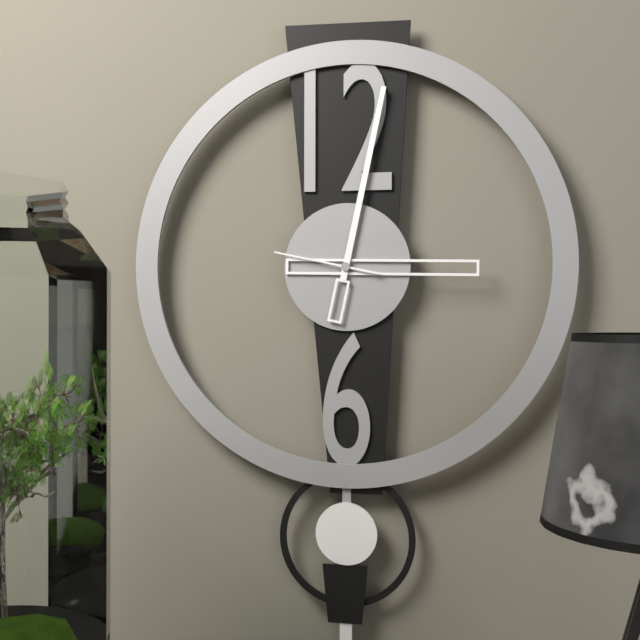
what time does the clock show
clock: 3:02:47
